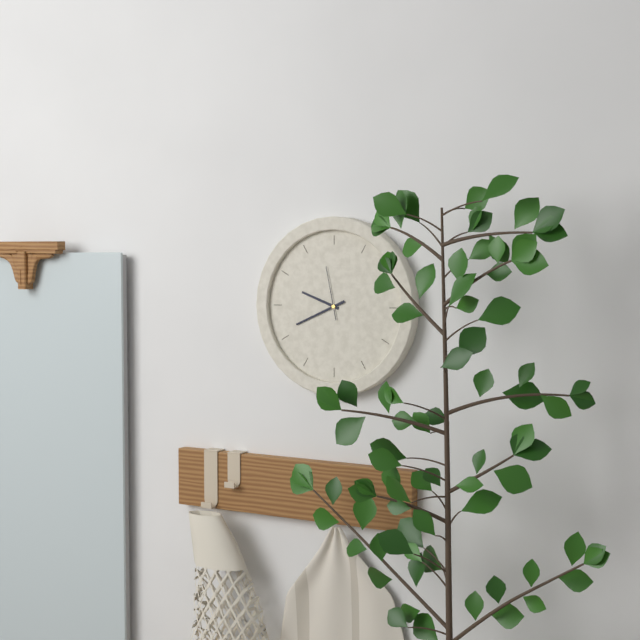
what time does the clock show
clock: 9:41:58
